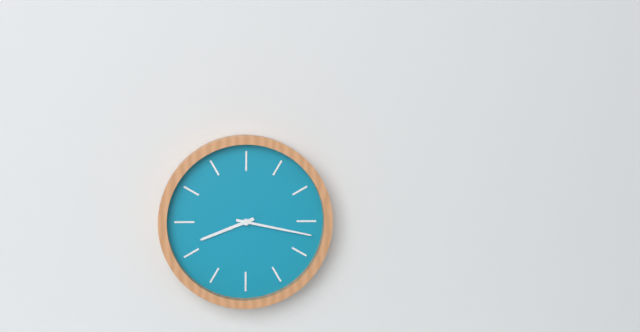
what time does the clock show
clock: 8:17
